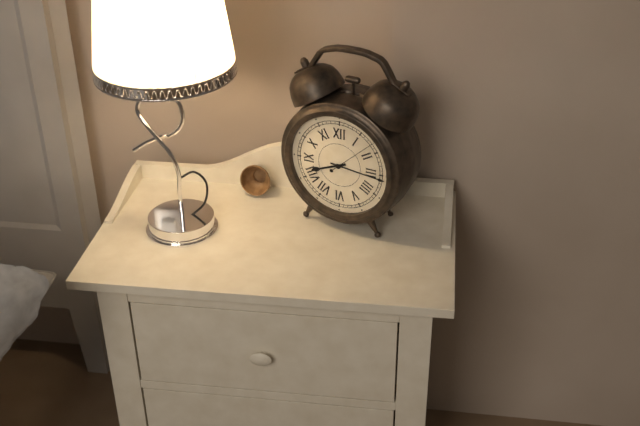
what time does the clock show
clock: 8:16:08
